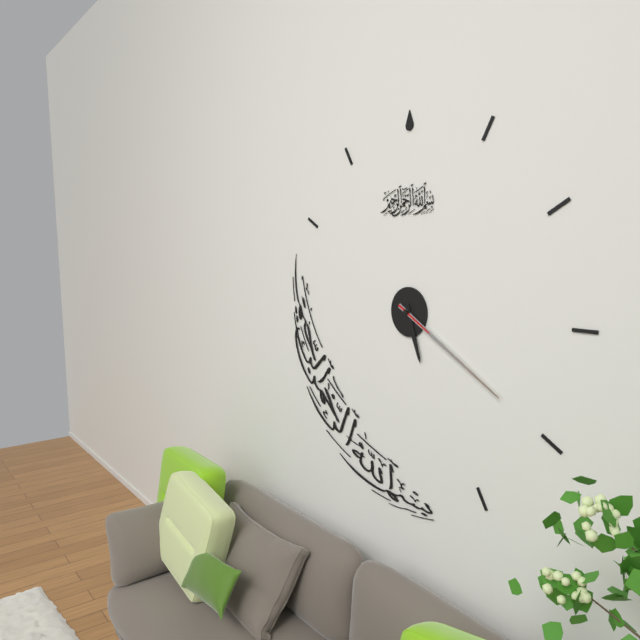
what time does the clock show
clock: 5:20
